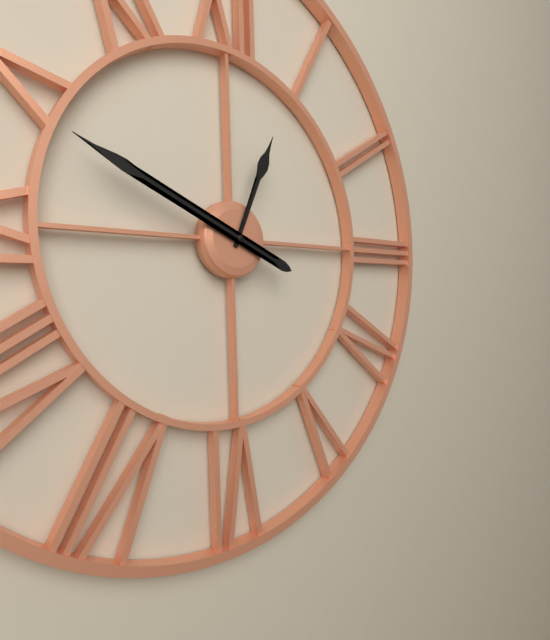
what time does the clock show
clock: 12:49
